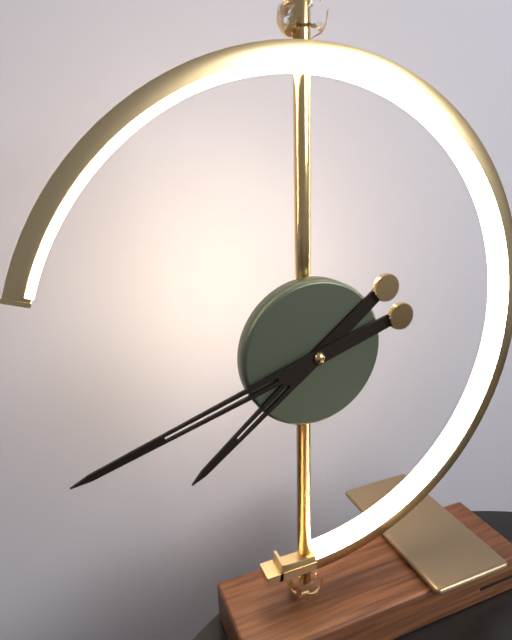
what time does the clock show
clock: 7:42
